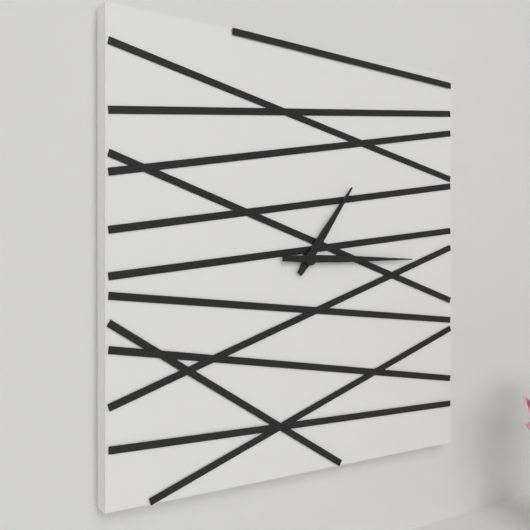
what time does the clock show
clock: 1:15
